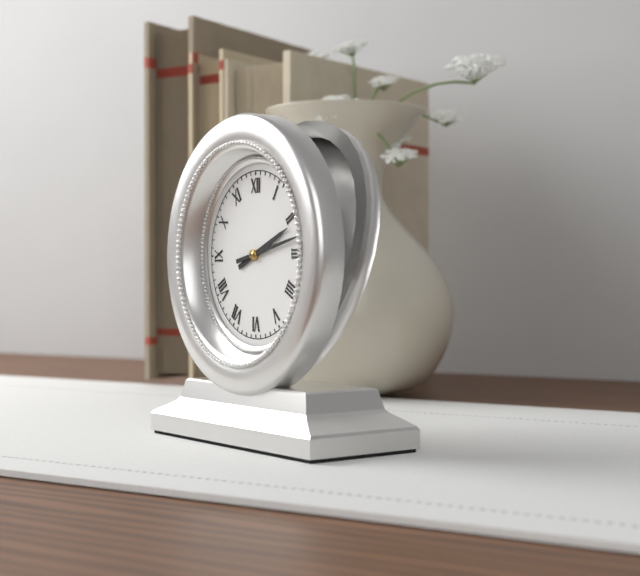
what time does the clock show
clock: 2:13
